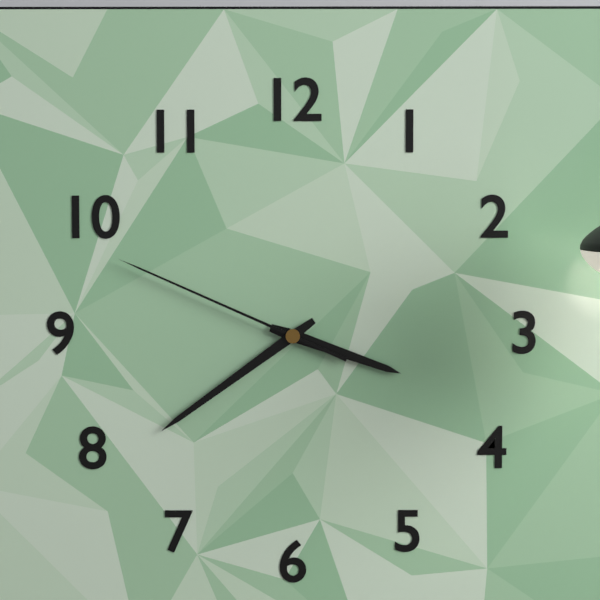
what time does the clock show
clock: 3:39:49
